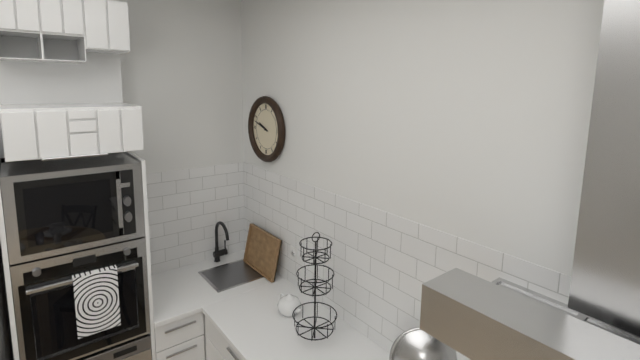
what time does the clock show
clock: 9:48
